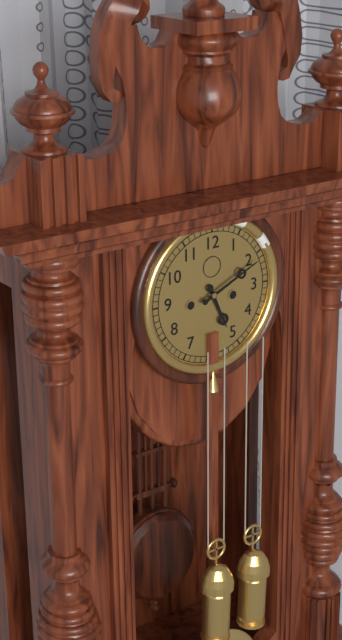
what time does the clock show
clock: 5:11
